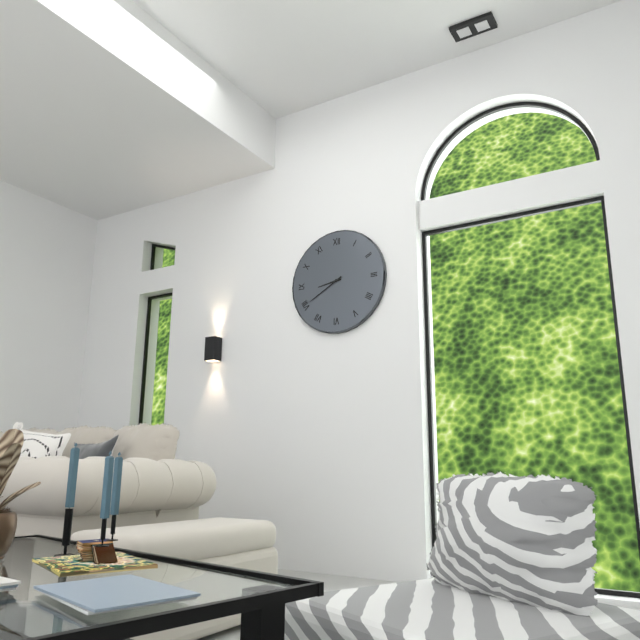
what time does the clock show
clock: 8:40
